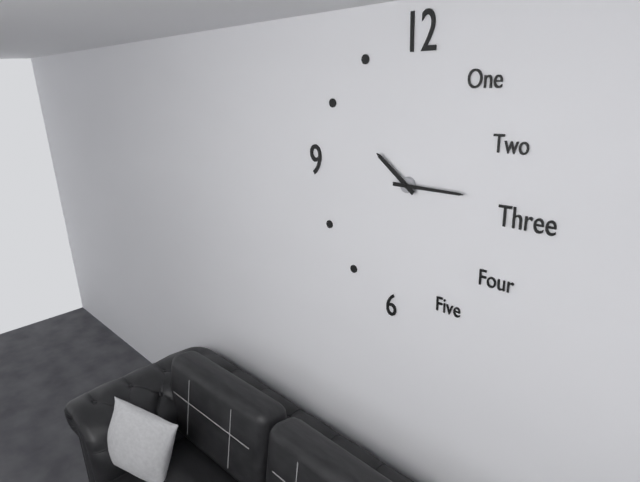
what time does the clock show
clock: 10:15
